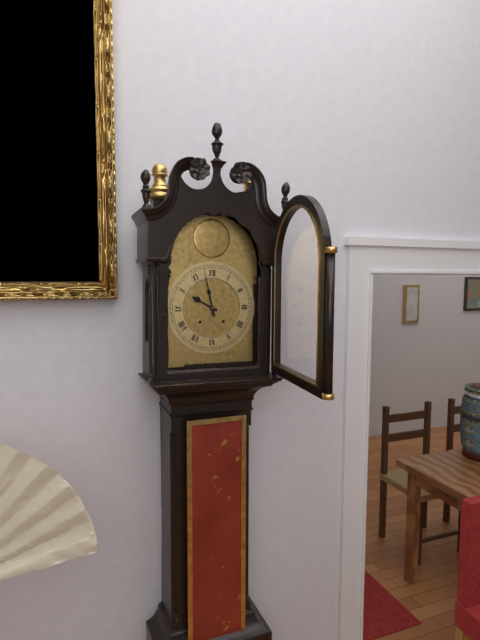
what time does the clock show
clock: 9:58
